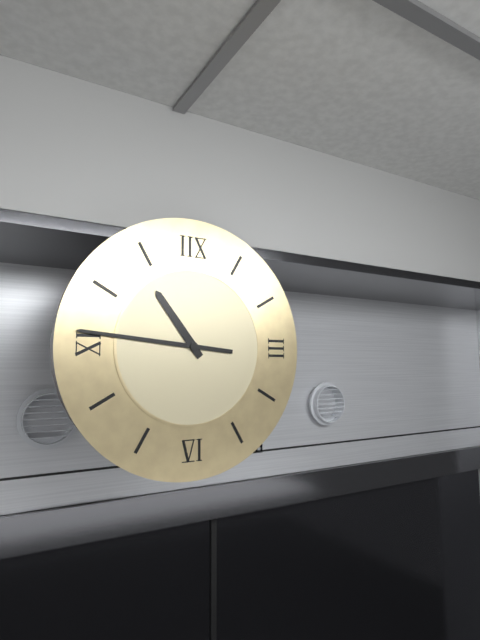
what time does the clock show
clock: 10:46
